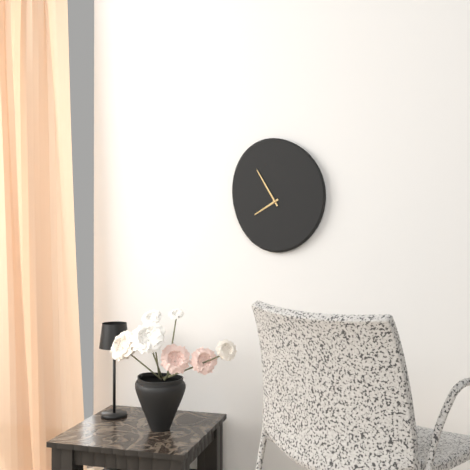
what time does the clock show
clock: 7:55
